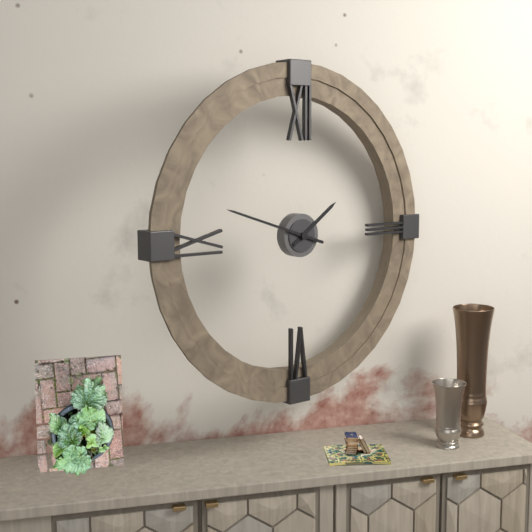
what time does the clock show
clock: 1:48
